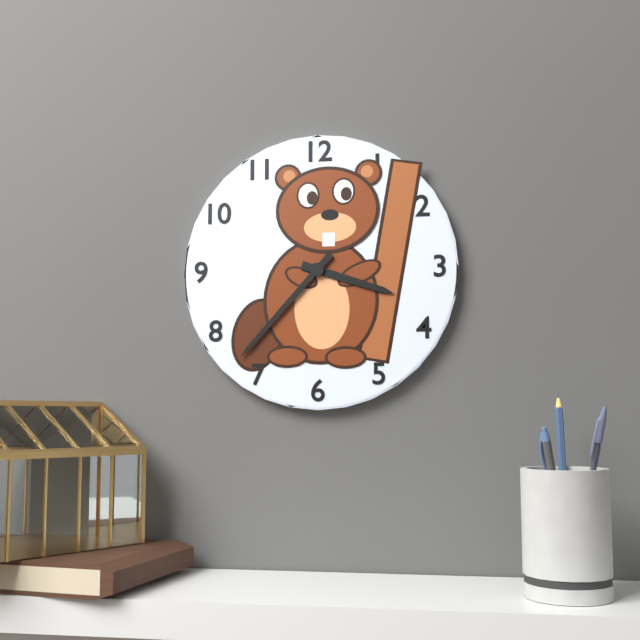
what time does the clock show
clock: 3:37
